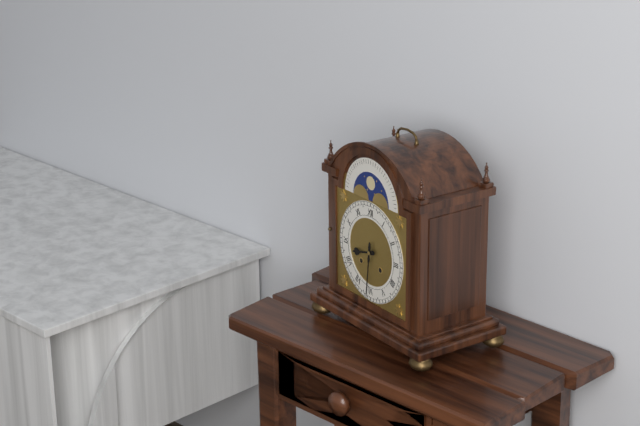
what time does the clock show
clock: 8:31
